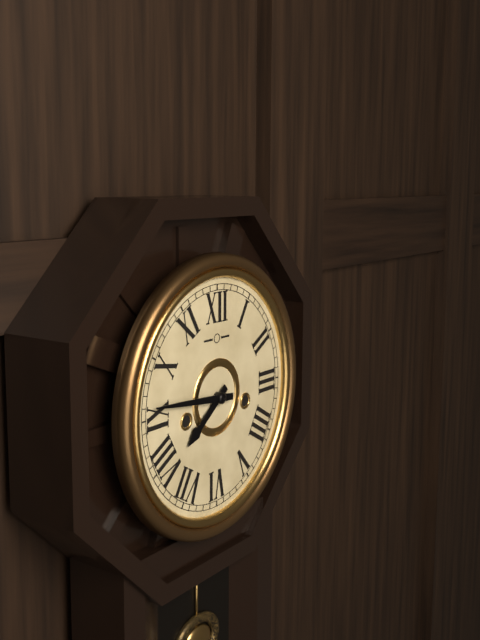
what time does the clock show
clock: 7:46
